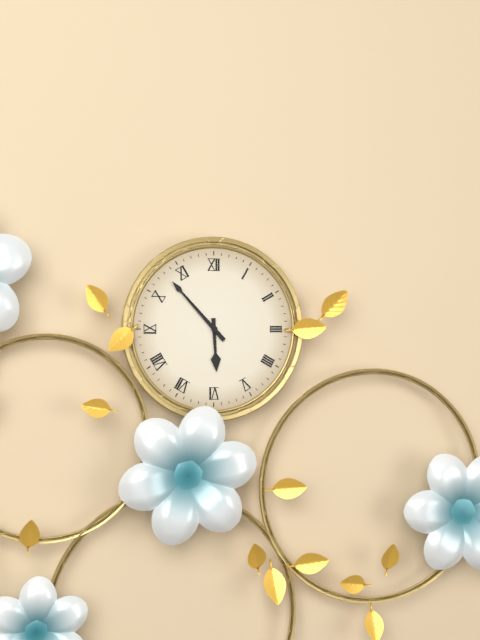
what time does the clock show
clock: 5:53
